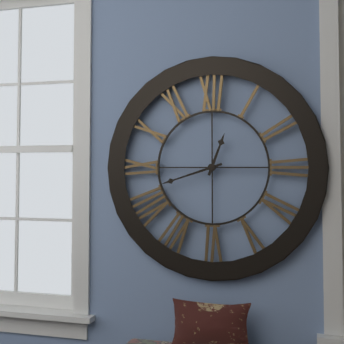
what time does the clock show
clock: 12:42
